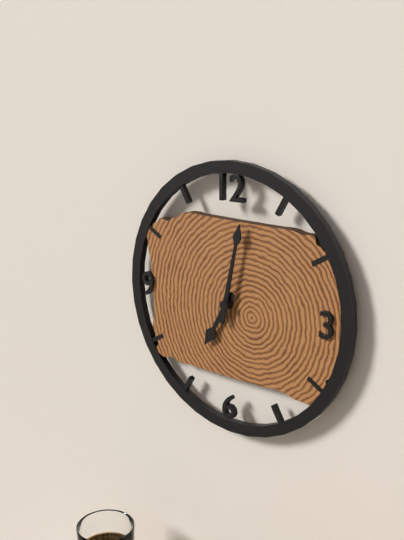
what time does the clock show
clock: 7:02
